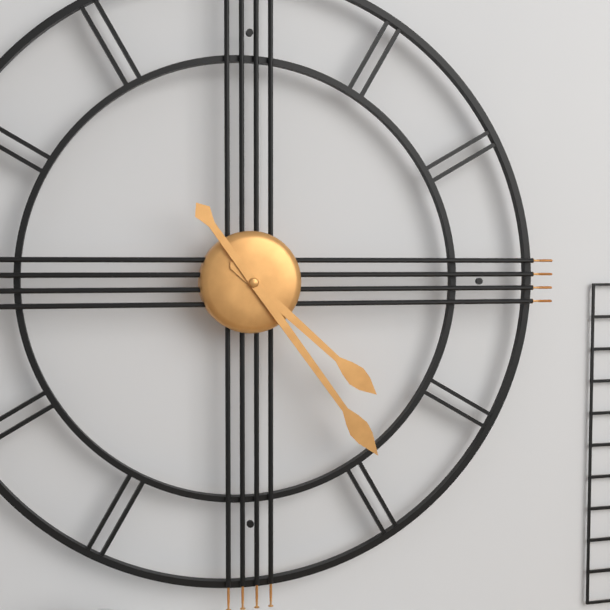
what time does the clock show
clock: 4:24
